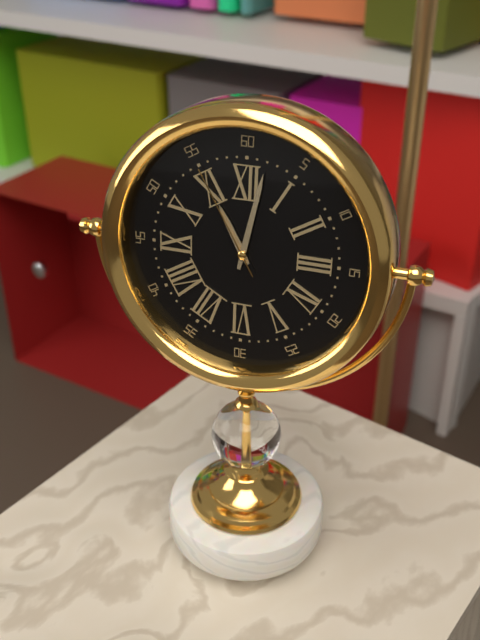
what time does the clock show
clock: 11:02:55
